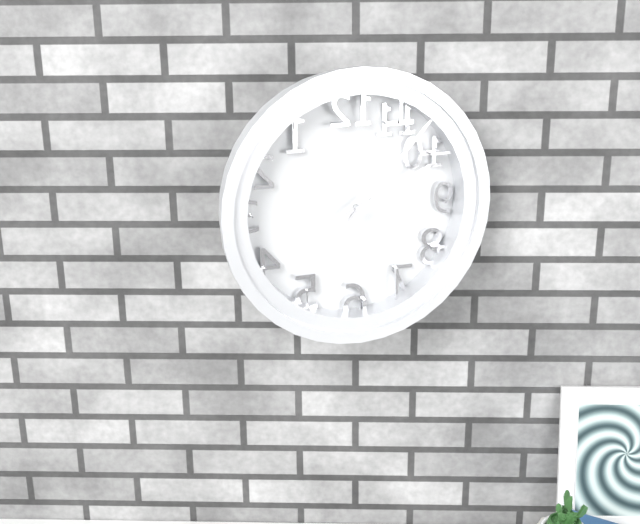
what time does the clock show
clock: 2:07
